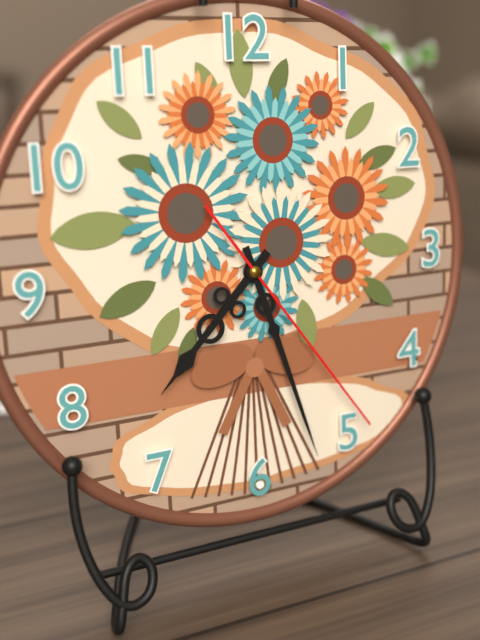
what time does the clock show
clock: 7:27:24
